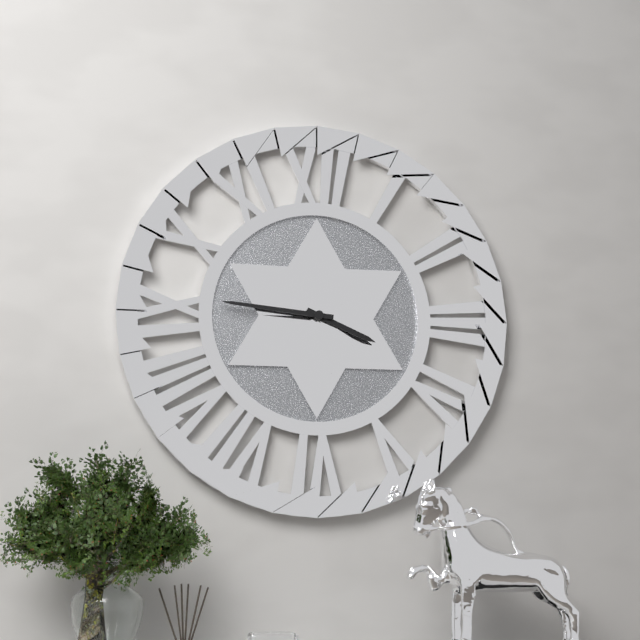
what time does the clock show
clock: 3:46
